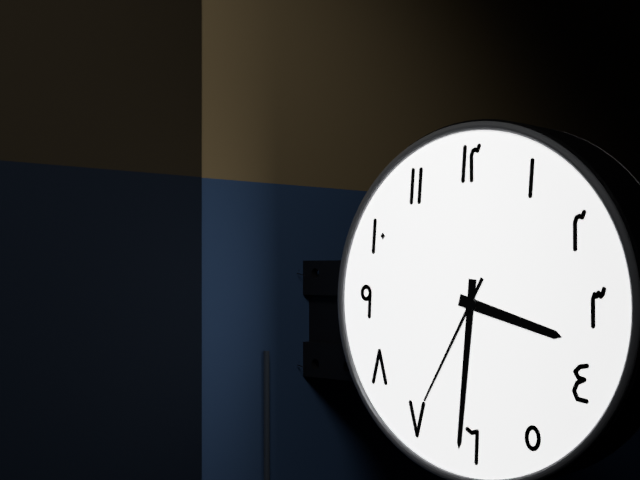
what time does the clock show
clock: 3:31:35
